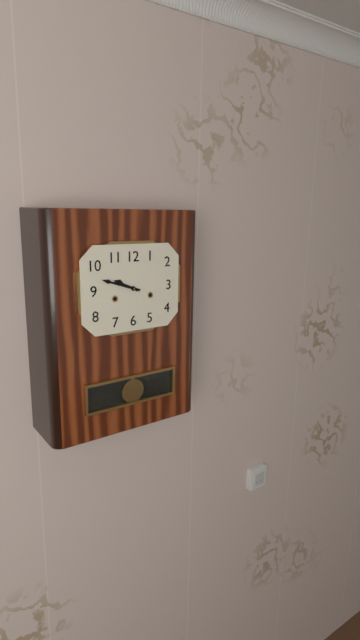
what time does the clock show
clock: 9:48
